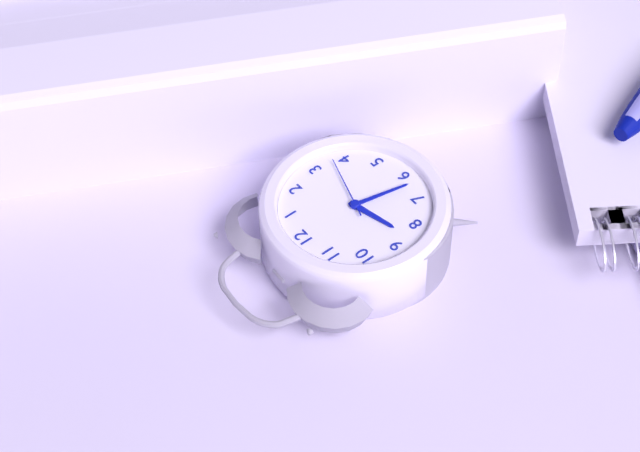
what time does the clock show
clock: 8:32:18
